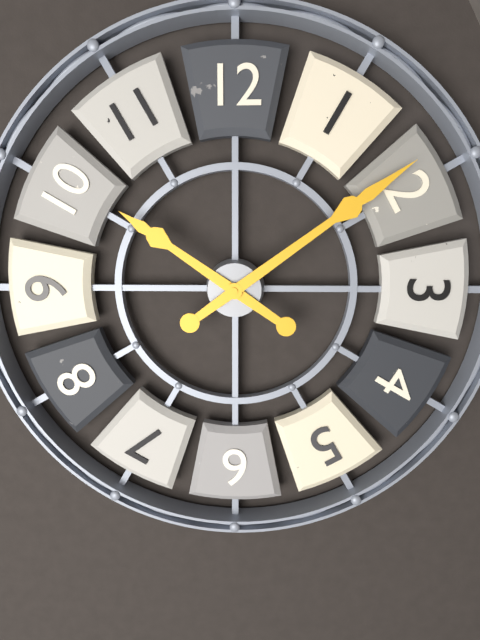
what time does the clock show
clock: 10:09
